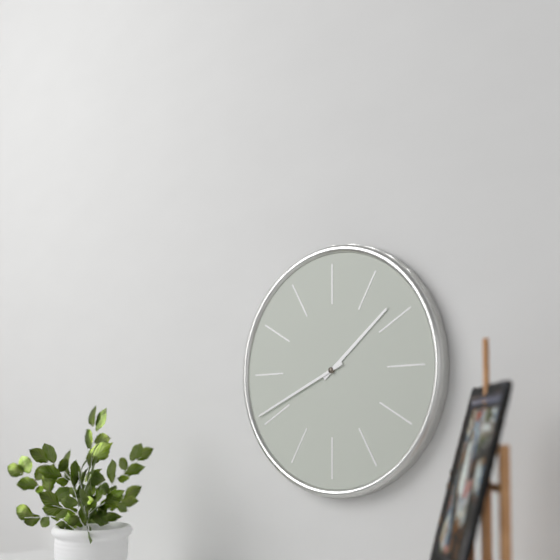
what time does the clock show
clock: 1:41
